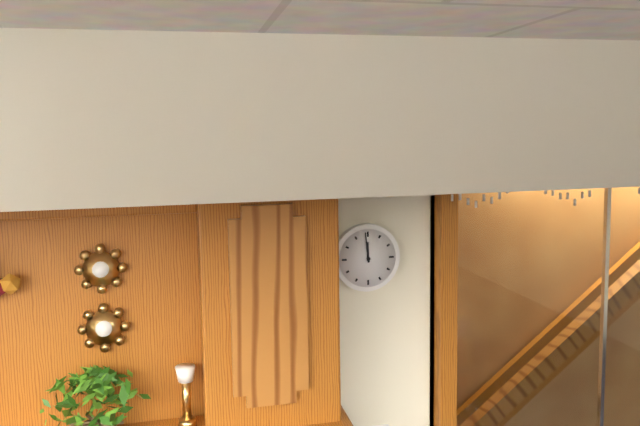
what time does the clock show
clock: 11:59
